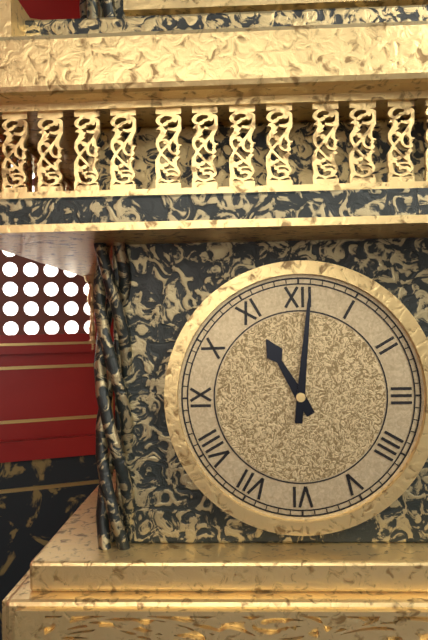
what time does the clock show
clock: 11:01
